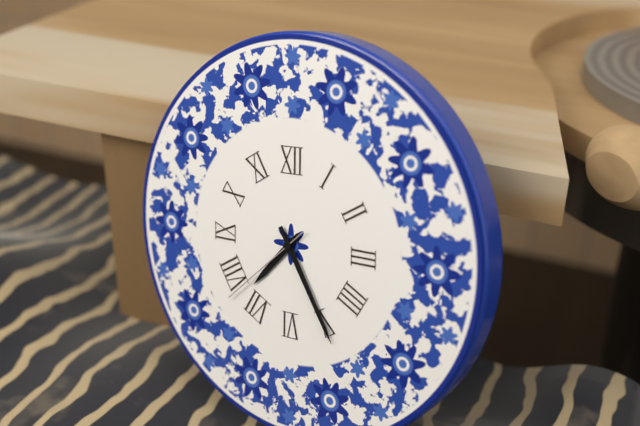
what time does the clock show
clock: 7:25:38
